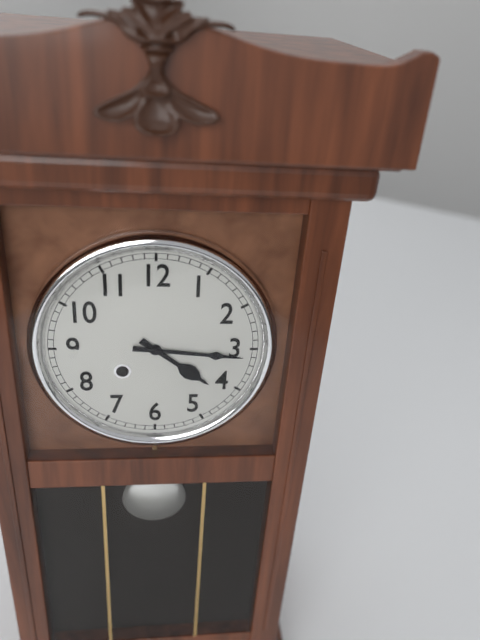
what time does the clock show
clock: 4:16
